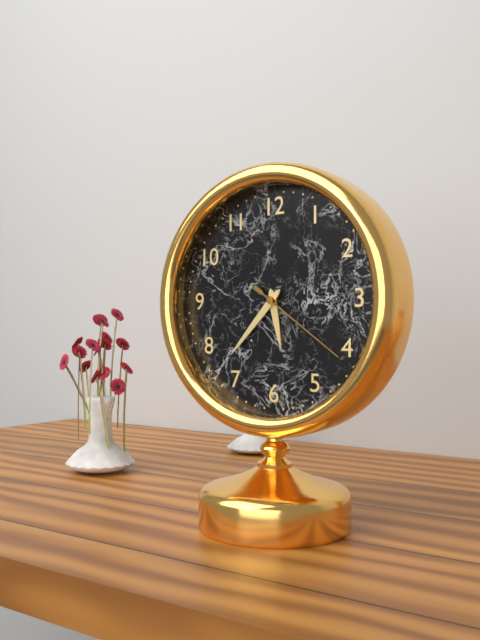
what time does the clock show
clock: 5:37:21
